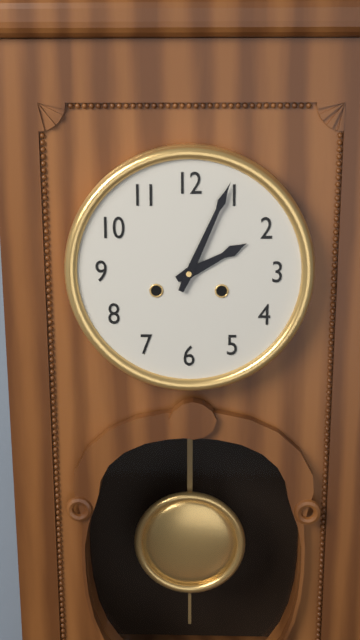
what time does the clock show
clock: 2:04
